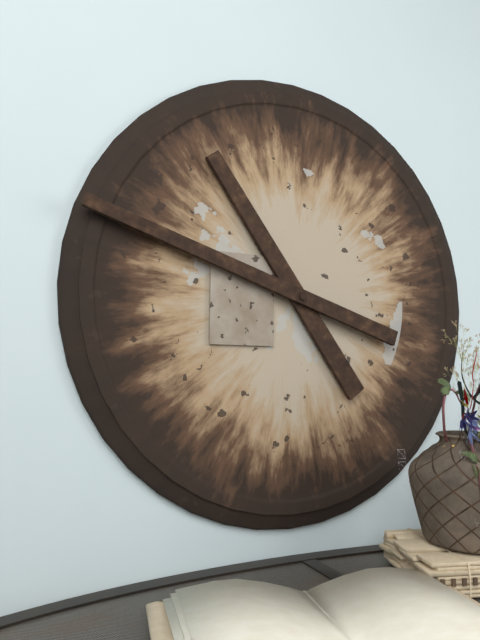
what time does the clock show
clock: 10:48
